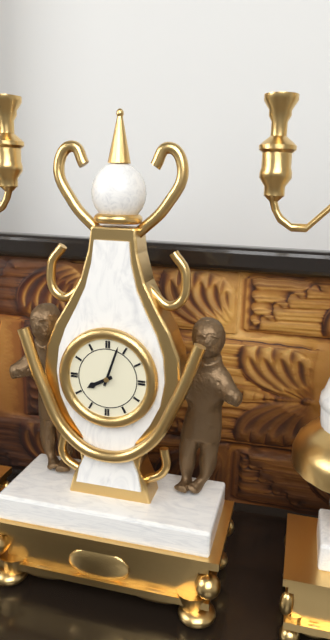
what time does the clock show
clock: 8:03
